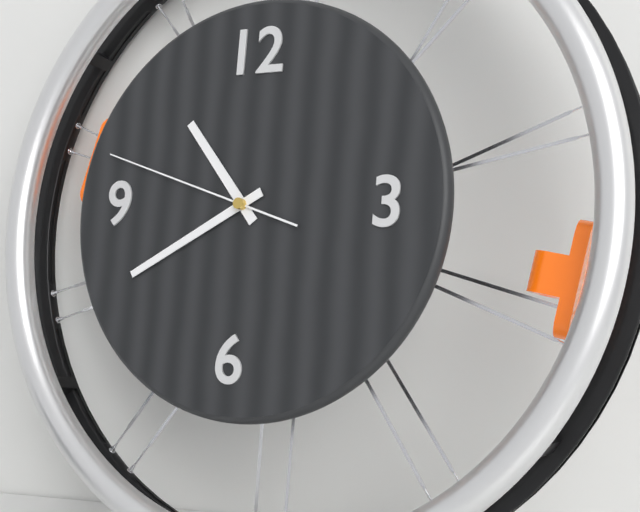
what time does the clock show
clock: 10:40:48
